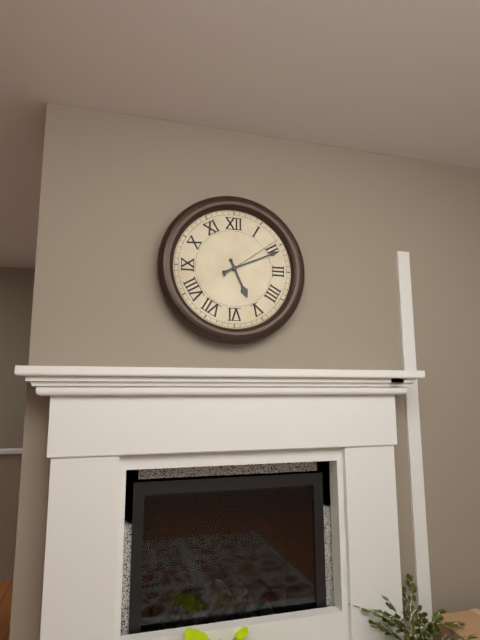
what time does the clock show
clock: 5:11:09
